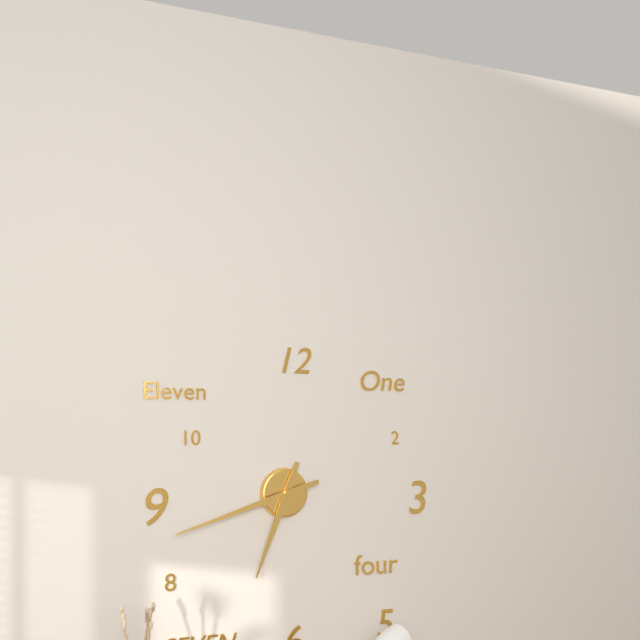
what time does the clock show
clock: 6:42
